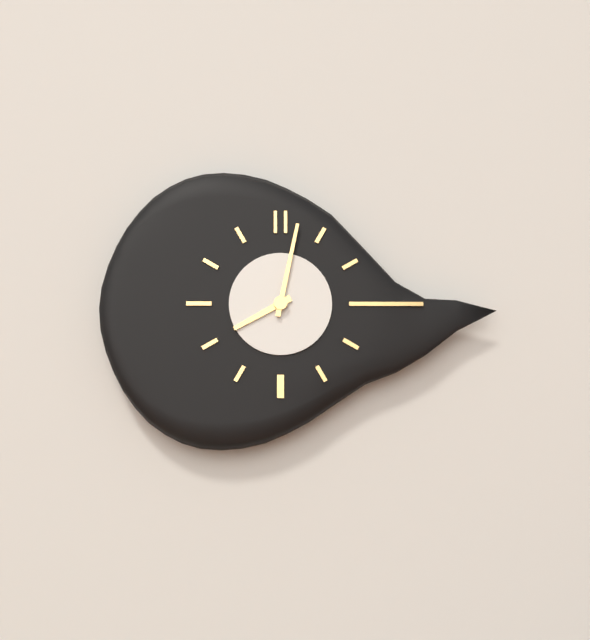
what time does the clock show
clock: 8:02
